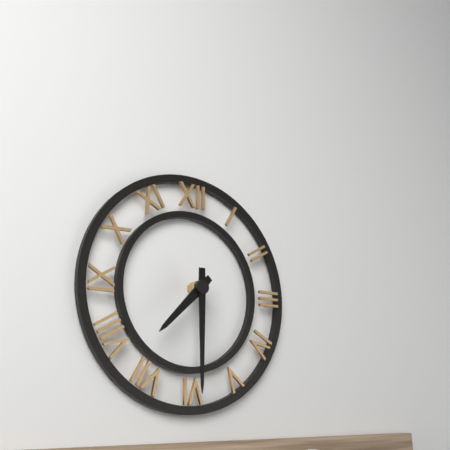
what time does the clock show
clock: 7:30
